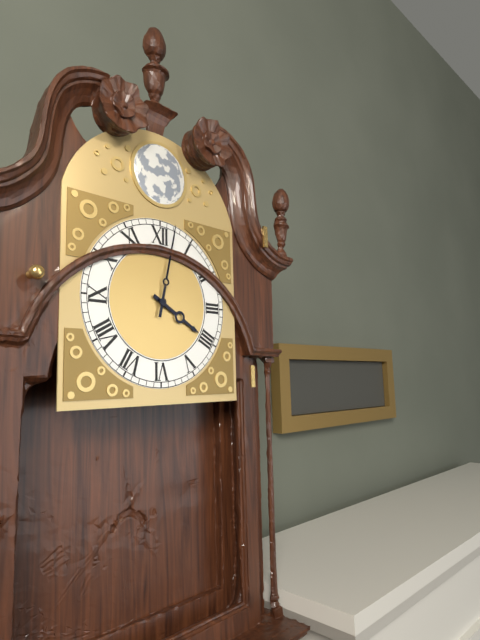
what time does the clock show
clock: 4:02
